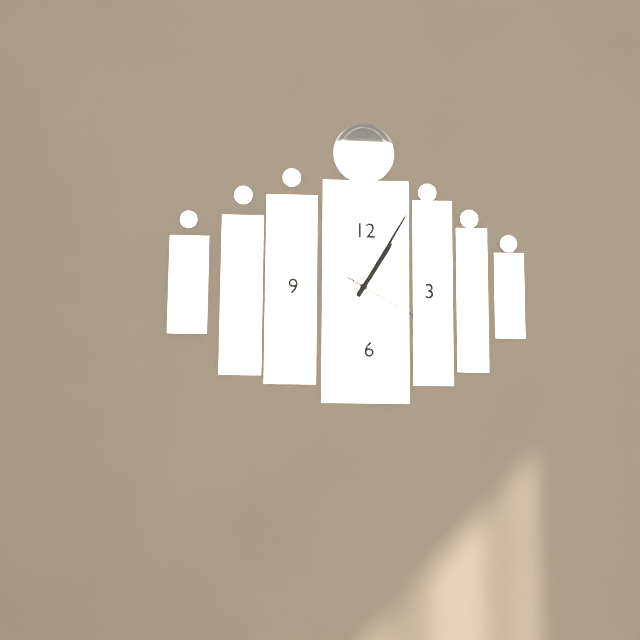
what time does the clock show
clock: 1:05:20
